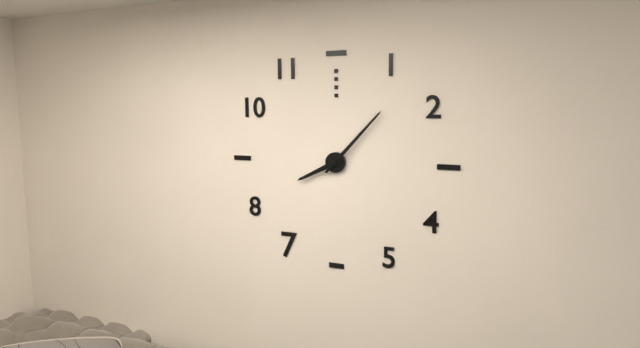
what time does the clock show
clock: 8:07
